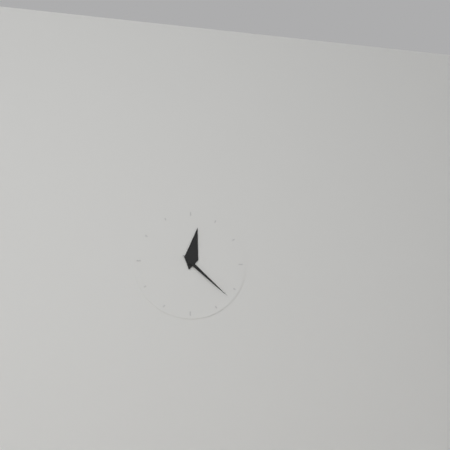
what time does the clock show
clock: 12:22
